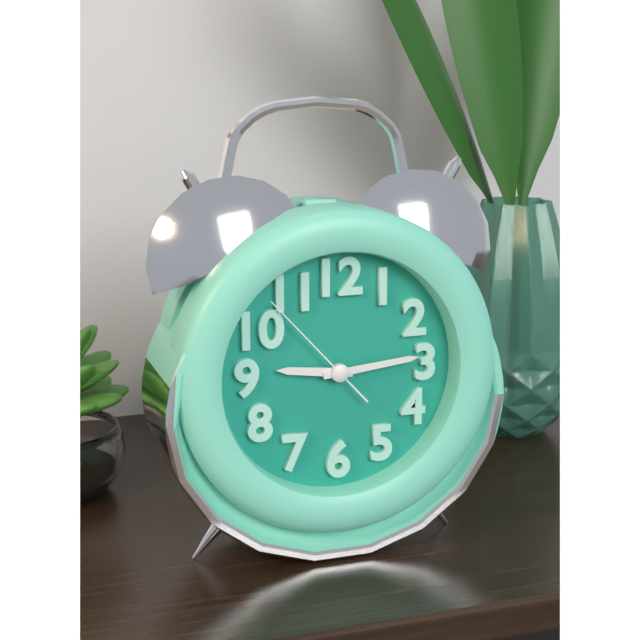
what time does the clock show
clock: 9:14:53
